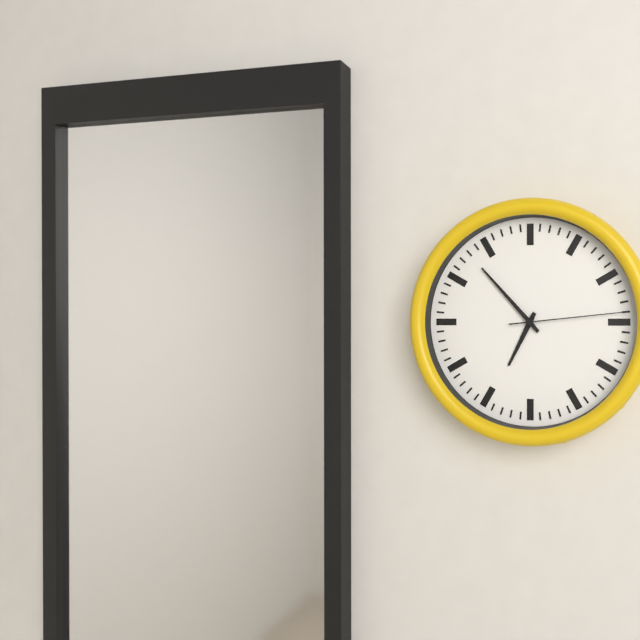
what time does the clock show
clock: 6:53:14
